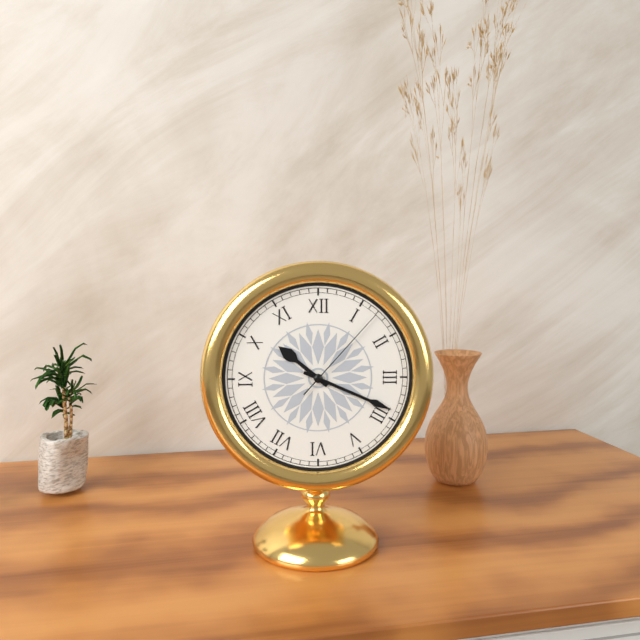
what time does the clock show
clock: 10:19:07
